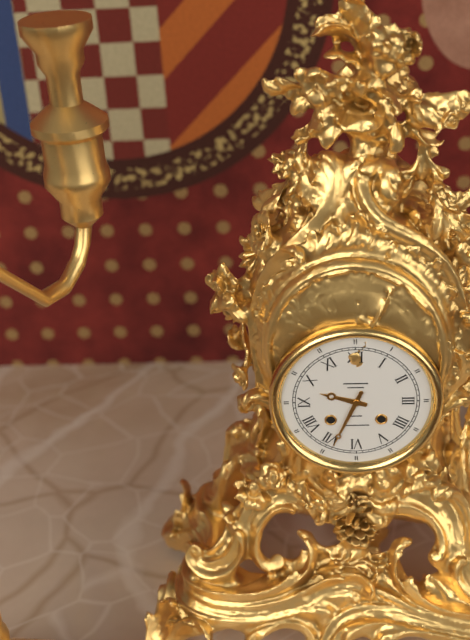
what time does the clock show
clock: 9:34
